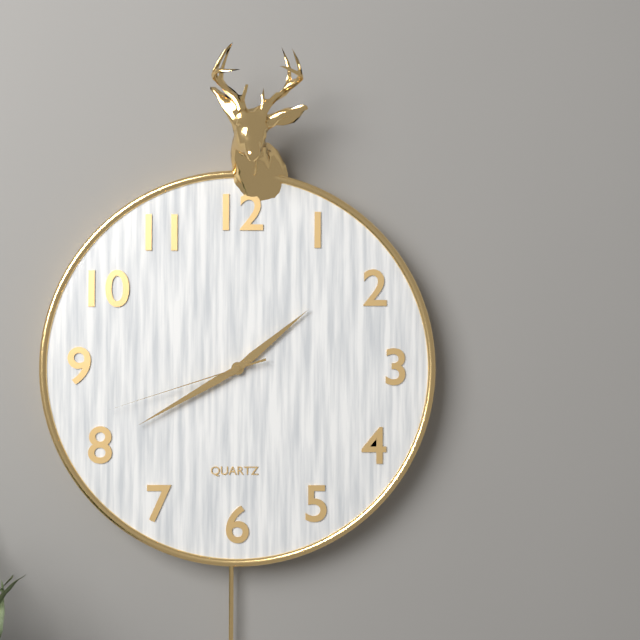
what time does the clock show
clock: 1:40:42
